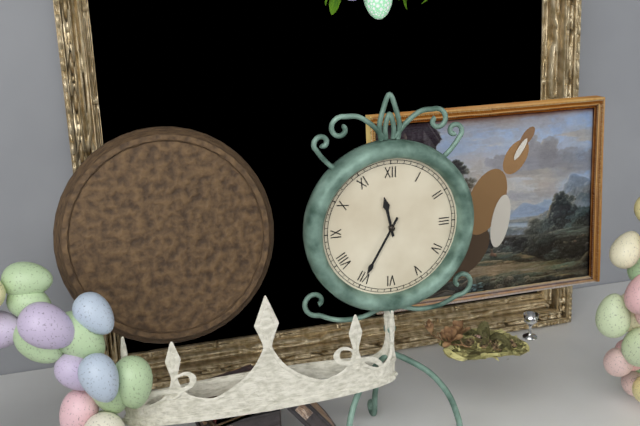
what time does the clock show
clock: 11:35
